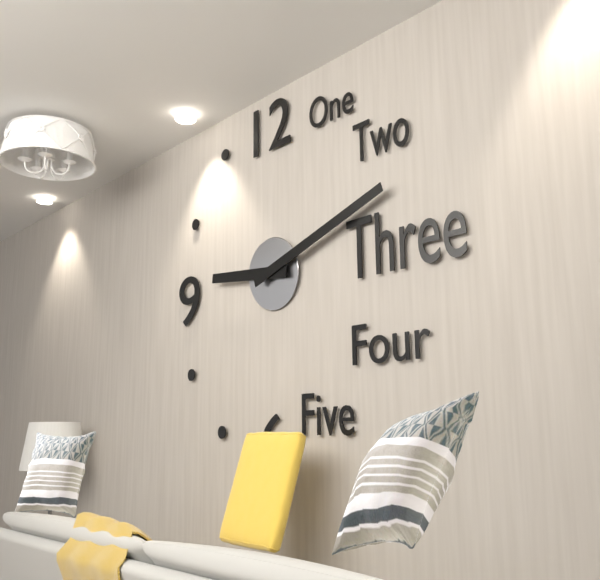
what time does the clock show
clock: 9:12
